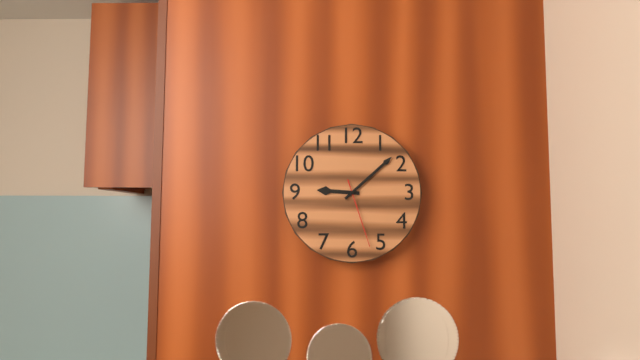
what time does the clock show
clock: 9:08:27
